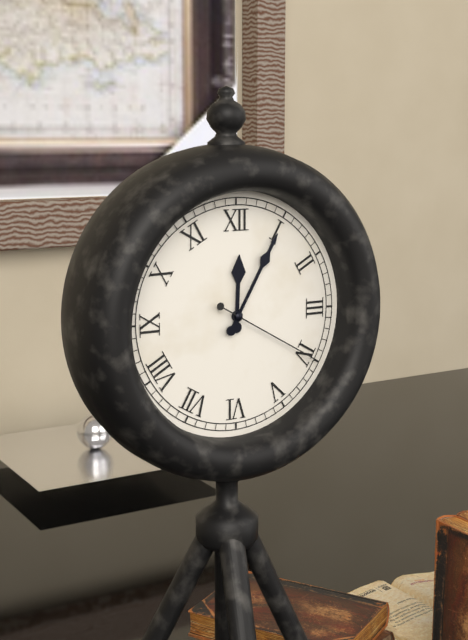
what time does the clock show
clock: 12:05:20
